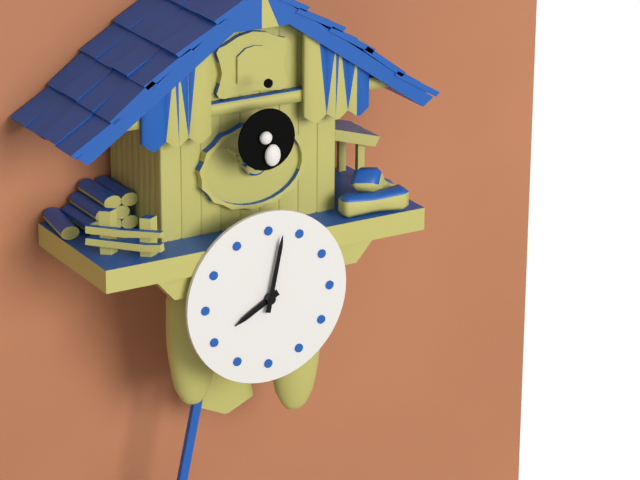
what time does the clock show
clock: 8:02
